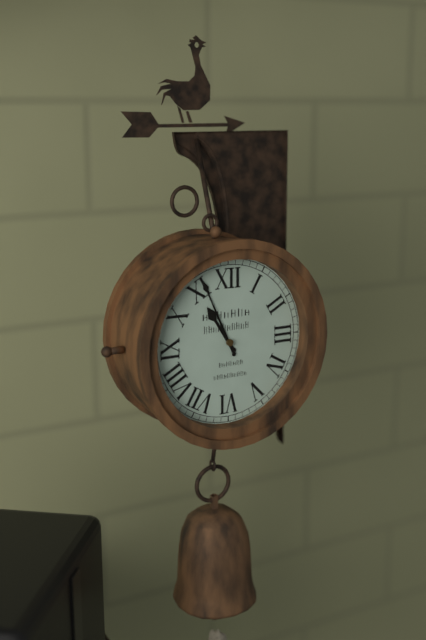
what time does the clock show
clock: 10:56
